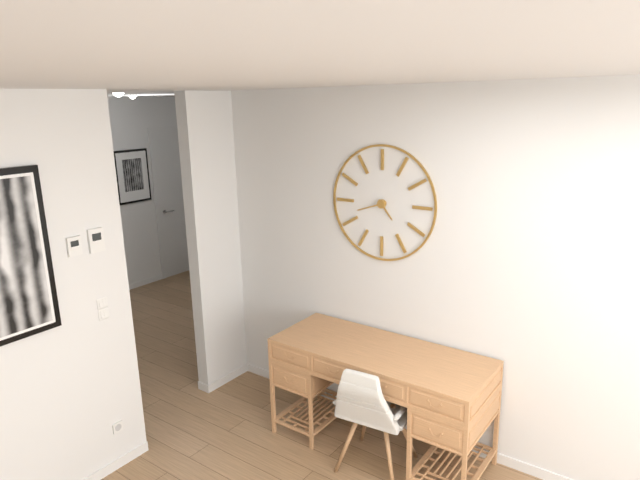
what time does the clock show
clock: 4:42
